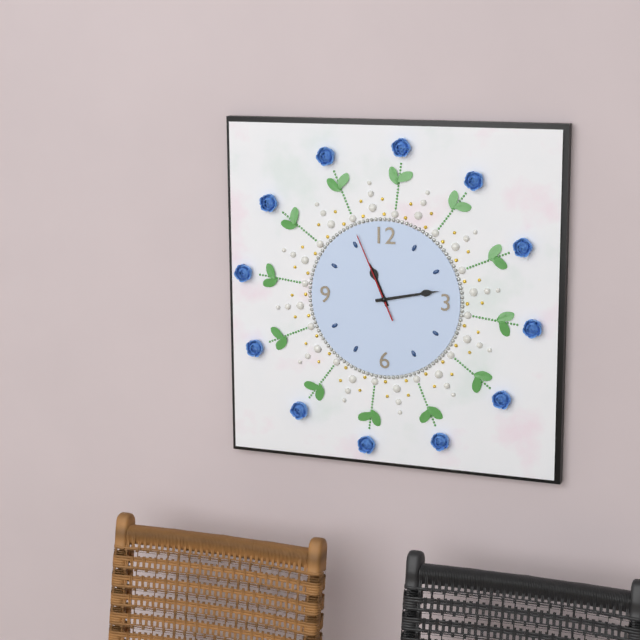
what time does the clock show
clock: 11:13:56
